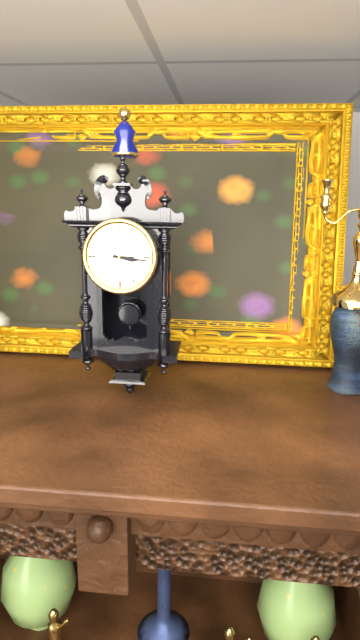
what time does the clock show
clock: 3:16
